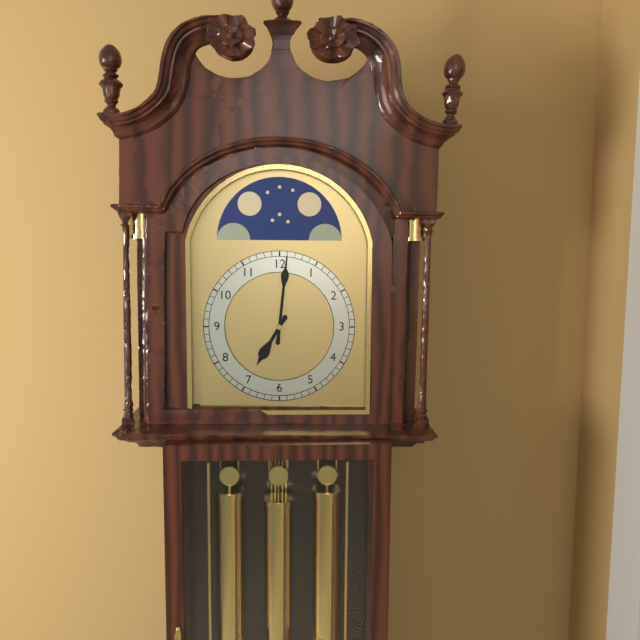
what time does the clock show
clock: 7:01
